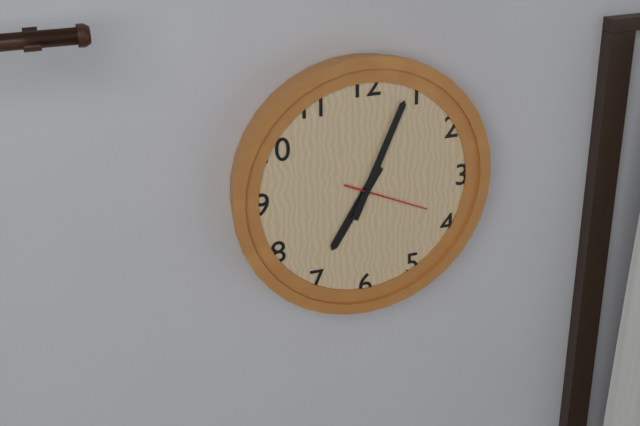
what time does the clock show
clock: 7:04:19
